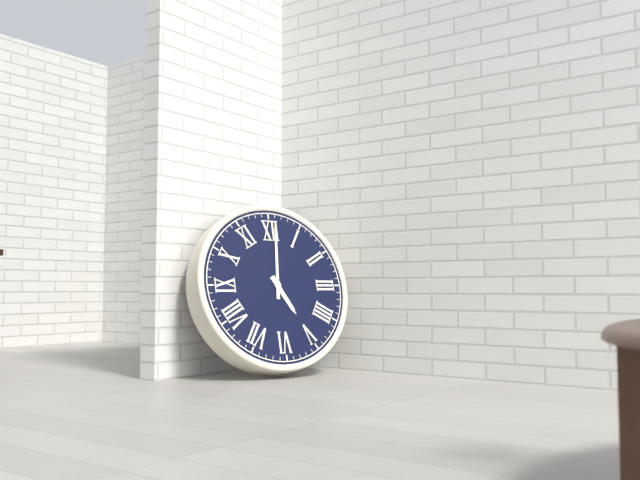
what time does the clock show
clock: 5:01
